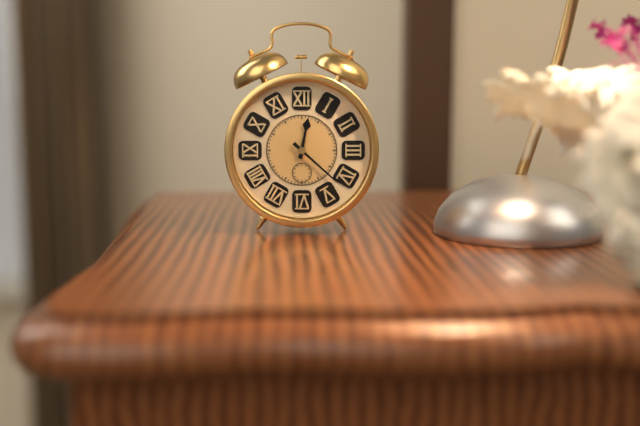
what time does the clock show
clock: 12:22
